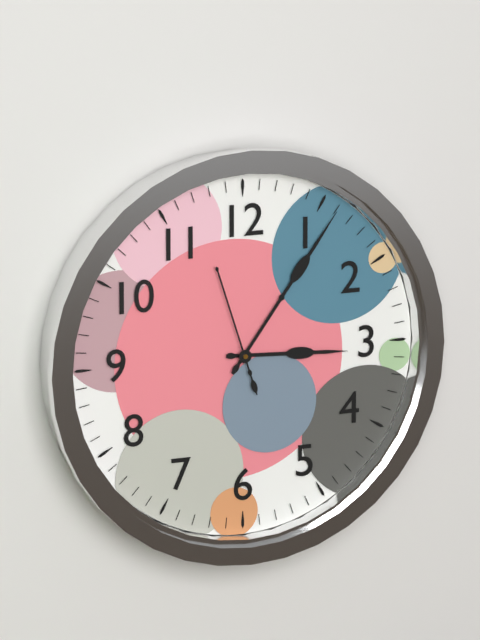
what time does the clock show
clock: 3:06:57
